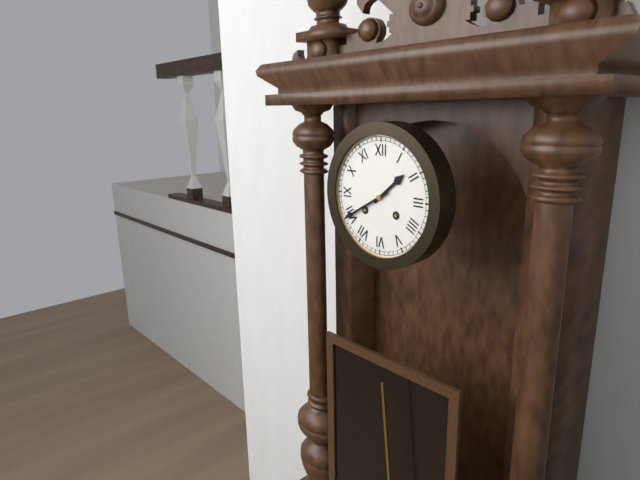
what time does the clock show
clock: 1:40
